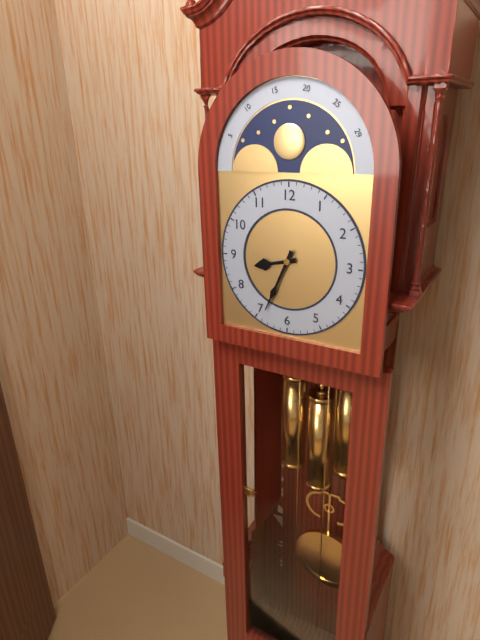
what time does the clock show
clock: 8:34
